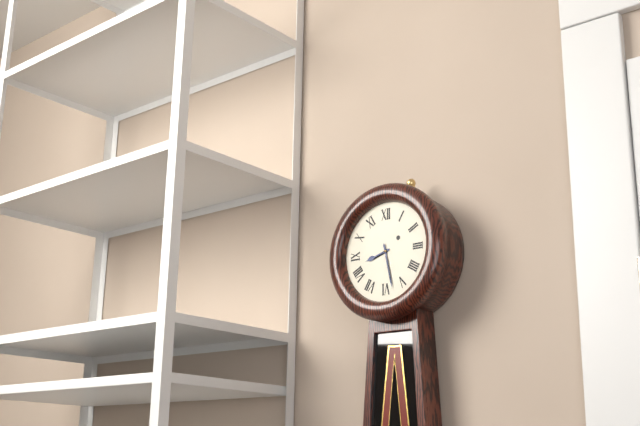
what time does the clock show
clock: 8:28
